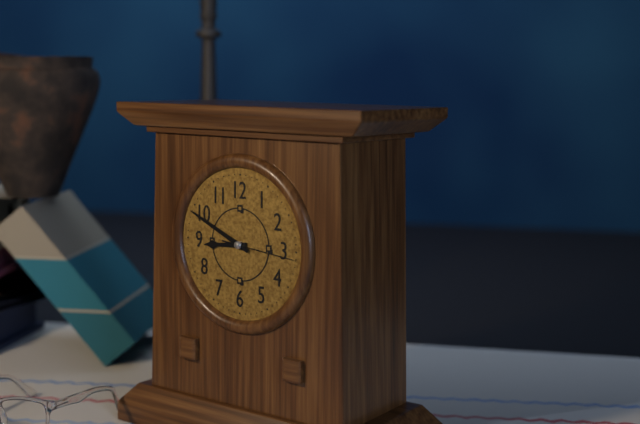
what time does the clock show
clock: 8:49:16
